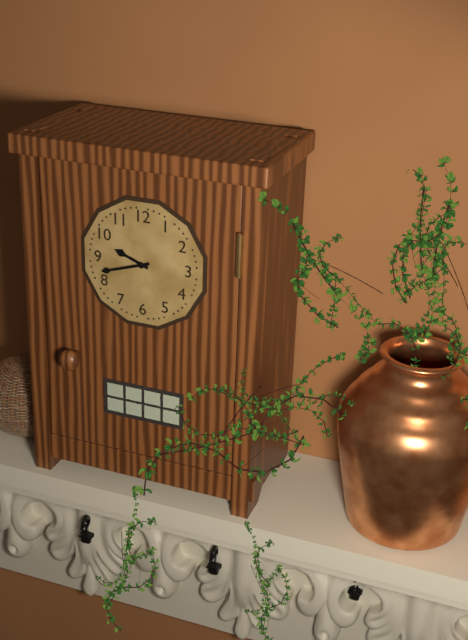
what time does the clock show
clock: 9:42
